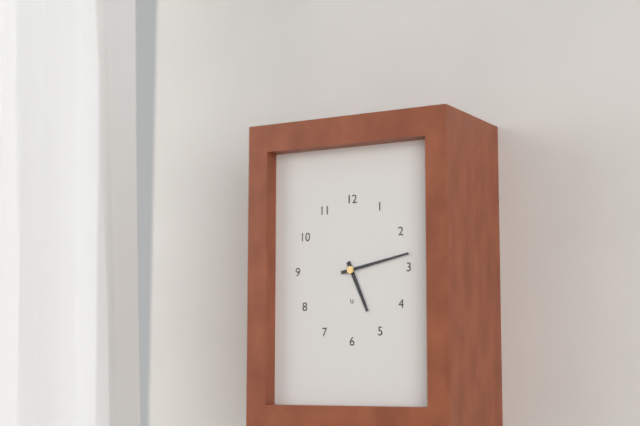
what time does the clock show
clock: 5:13
